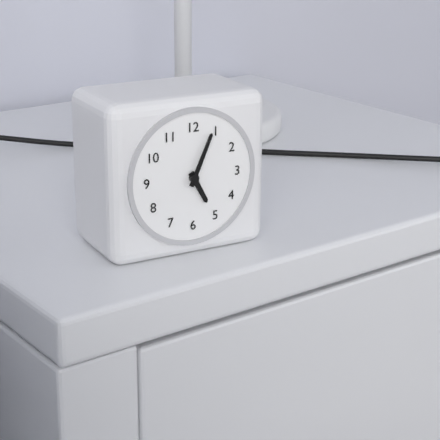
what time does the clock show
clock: 5:04
